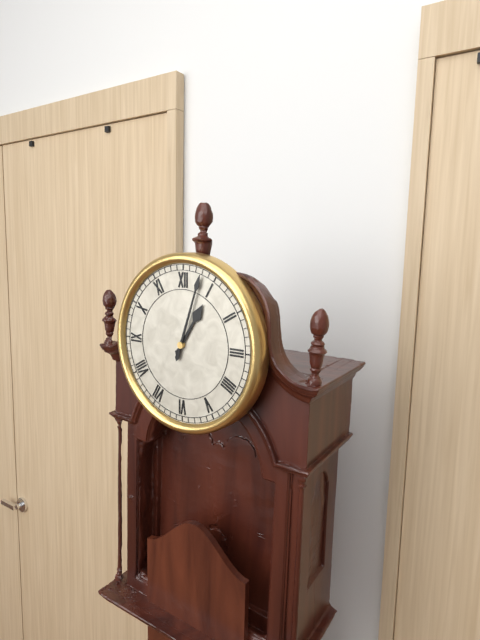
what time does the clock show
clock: 1:03
